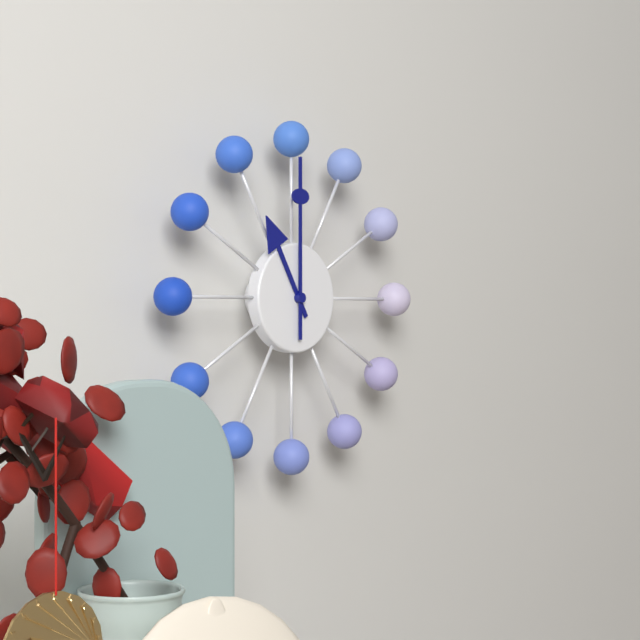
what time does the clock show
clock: 11:00
